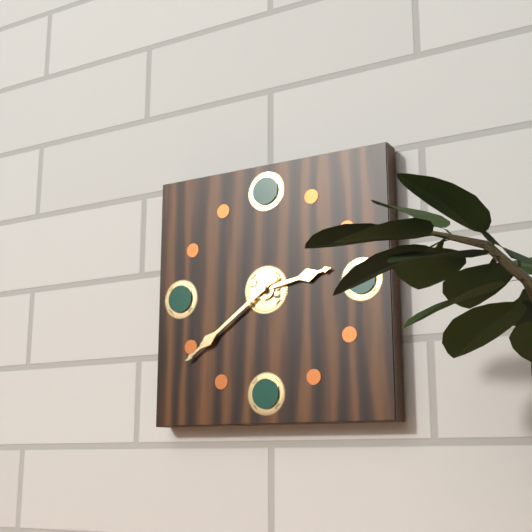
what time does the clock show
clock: 2:39
